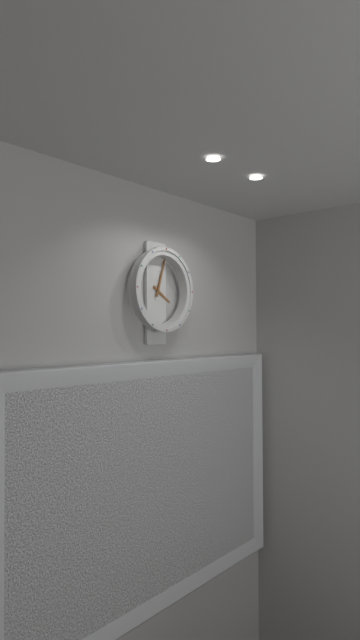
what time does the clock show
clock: 4:03
